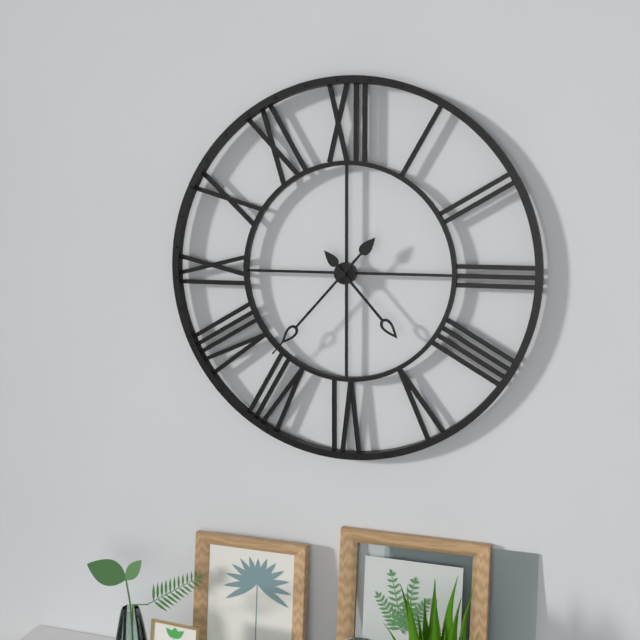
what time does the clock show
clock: 4:37
